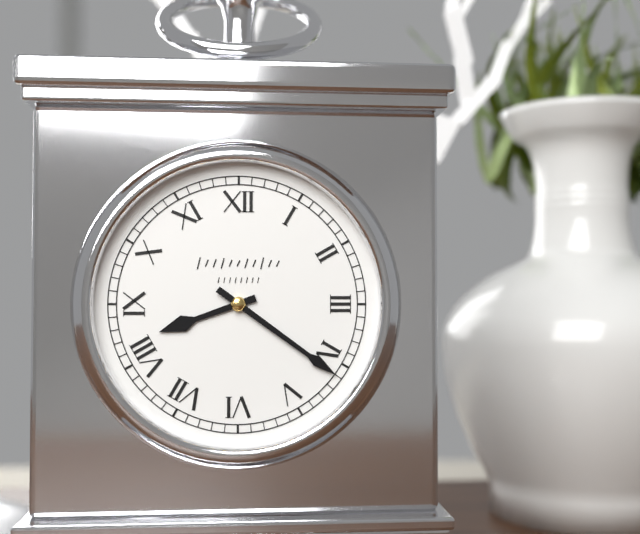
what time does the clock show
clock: 8:21
